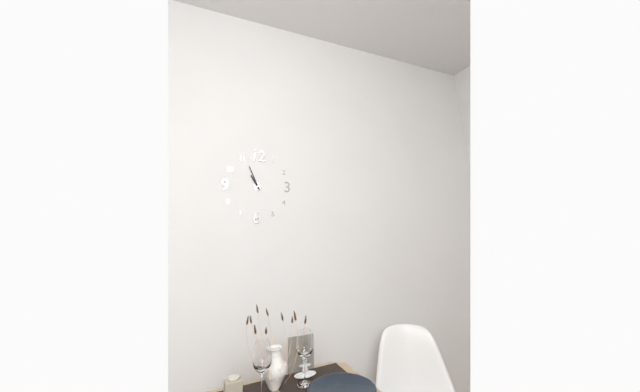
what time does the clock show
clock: 10:56
